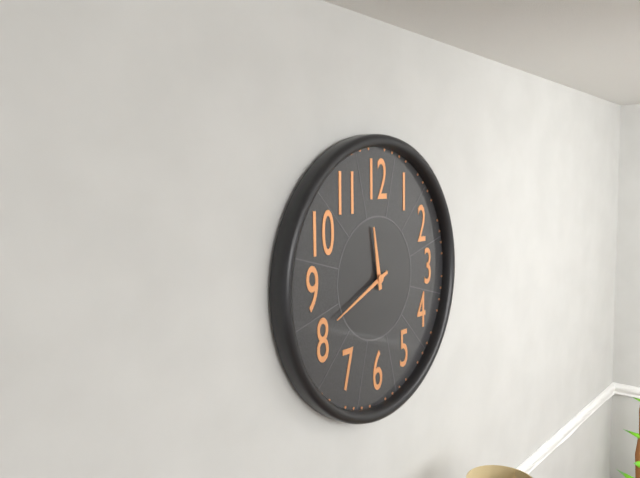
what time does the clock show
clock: 11:41
